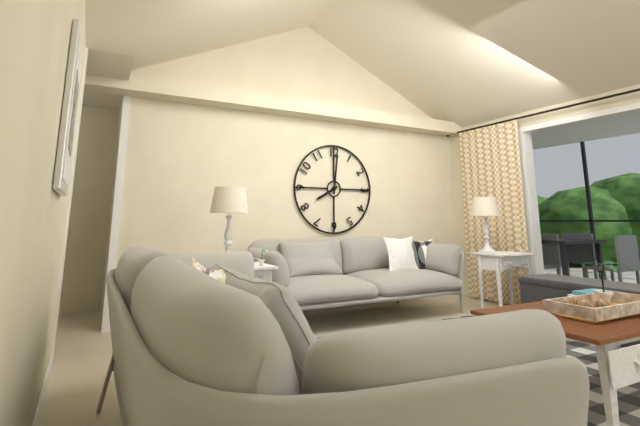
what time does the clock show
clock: 8:01
